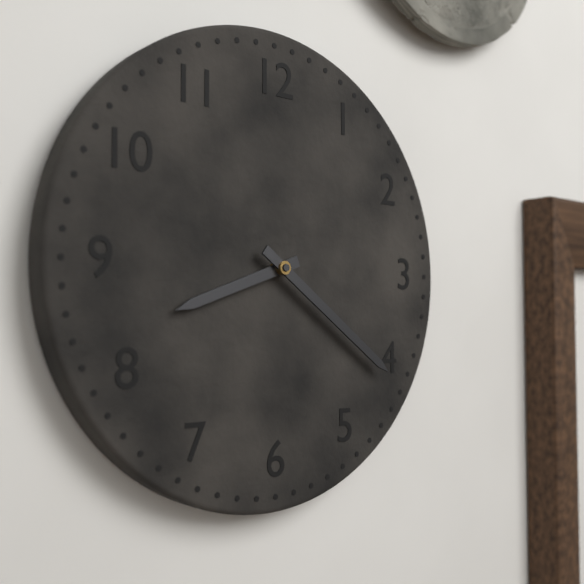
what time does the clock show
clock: 8:21
